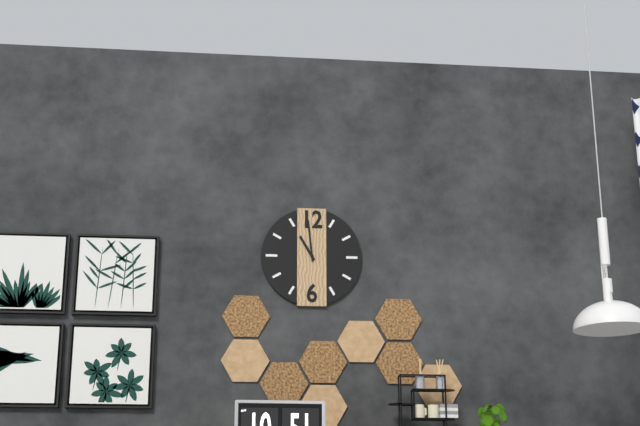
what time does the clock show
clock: 10:59
